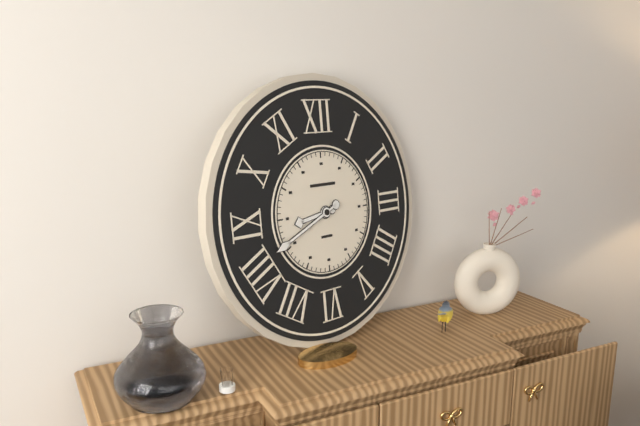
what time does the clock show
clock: 8:41
